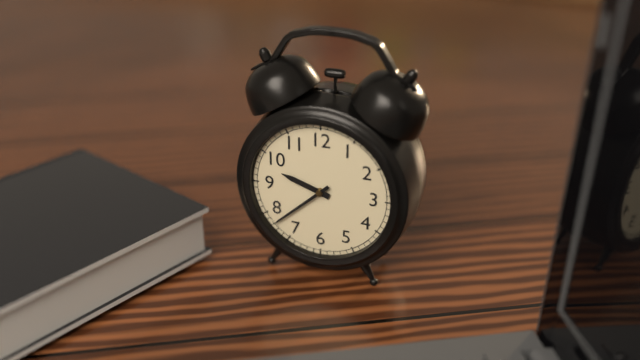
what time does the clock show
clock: 9:38
